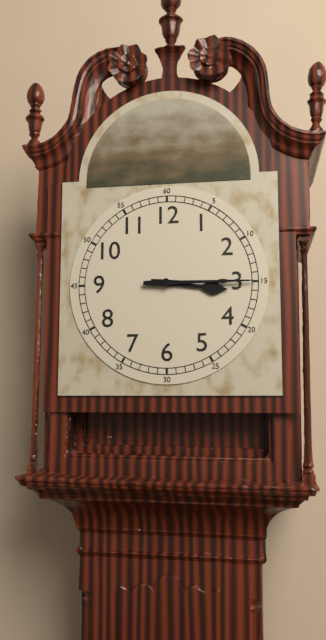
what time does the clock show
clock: 3:15
